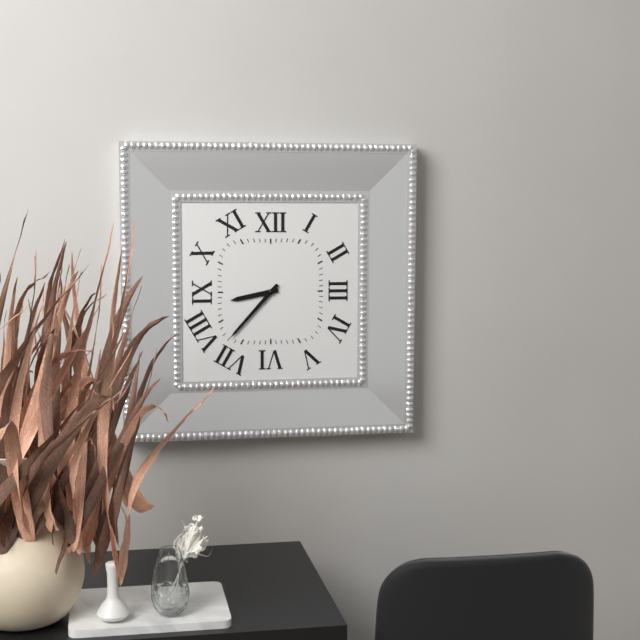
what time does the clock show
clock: 8:37
